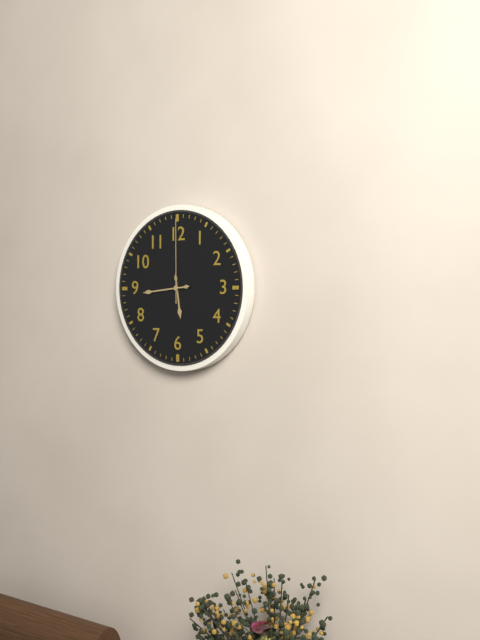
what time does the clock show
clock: 5:44:00
